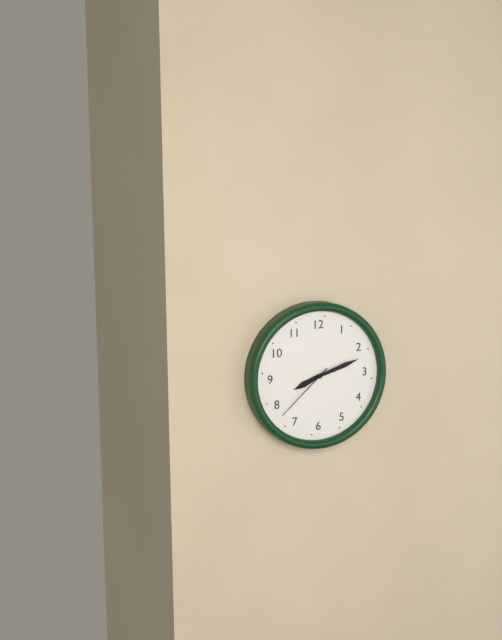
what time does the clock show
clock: 8:12:38
